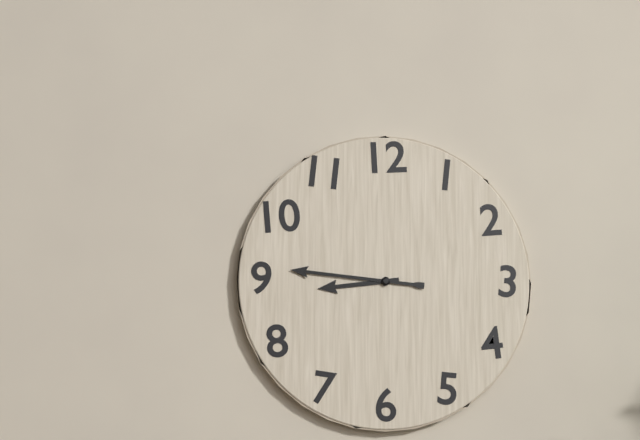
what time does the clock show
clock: 8:46
